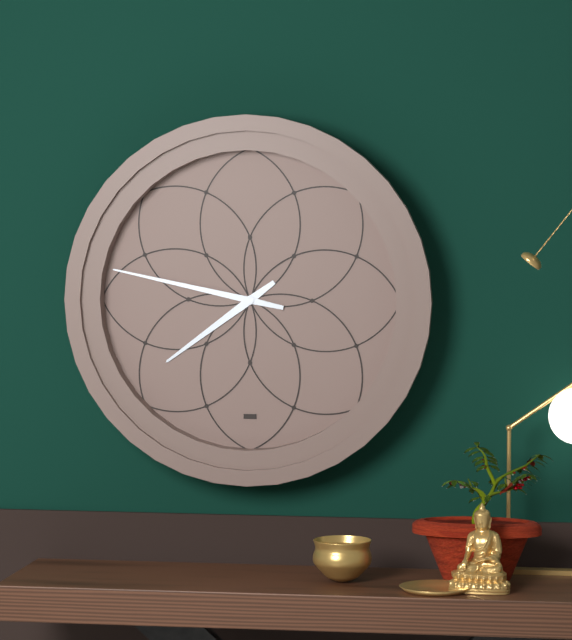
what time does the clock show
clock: 7:47
